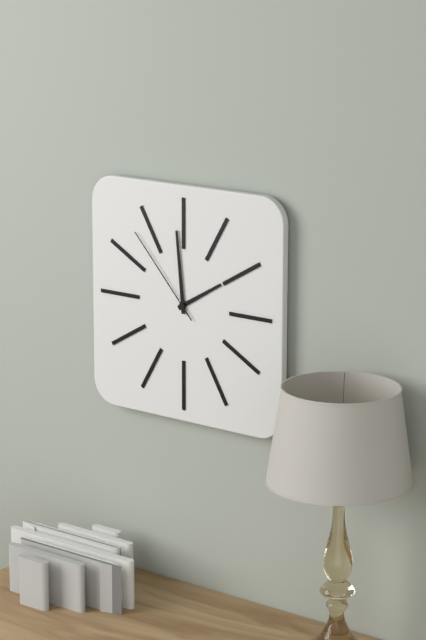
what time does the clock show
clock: 1:59:53
